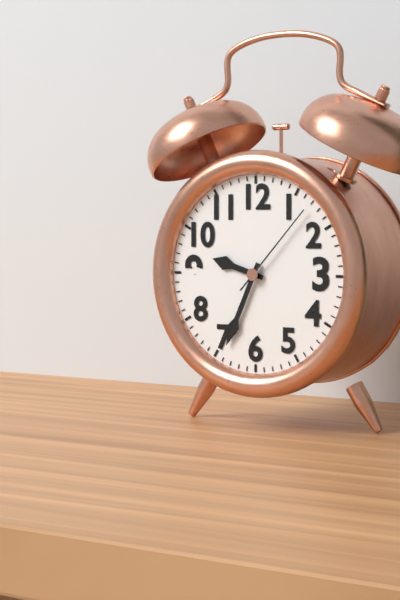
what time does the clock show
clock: 9:34:07
